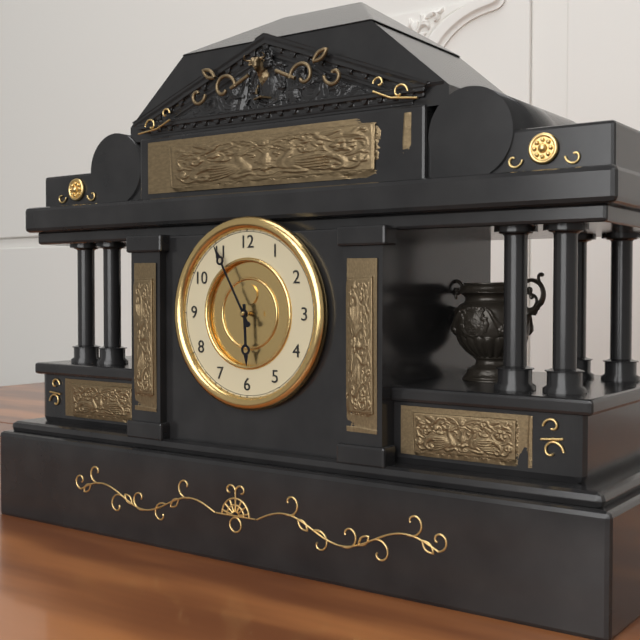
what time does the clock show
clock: 5:55
